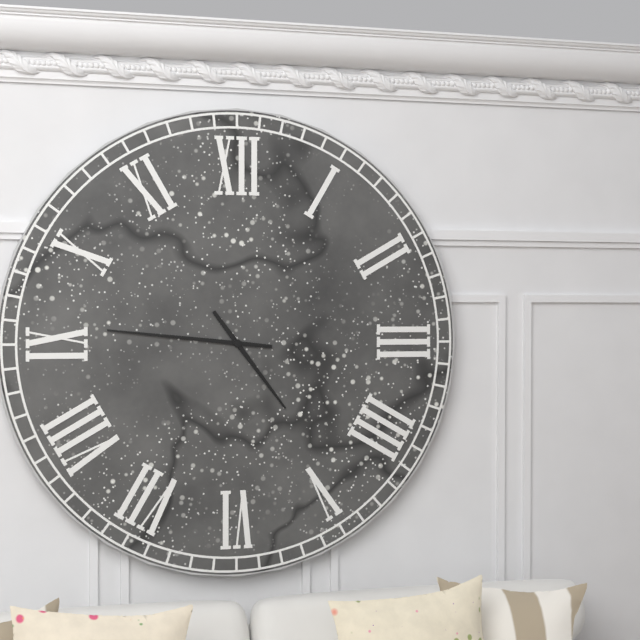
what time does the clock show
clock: 4:46
